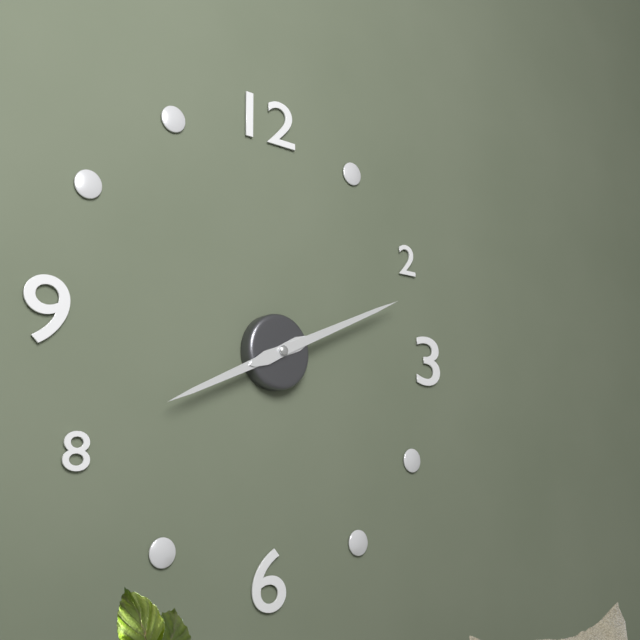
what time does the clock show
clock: 8:11
